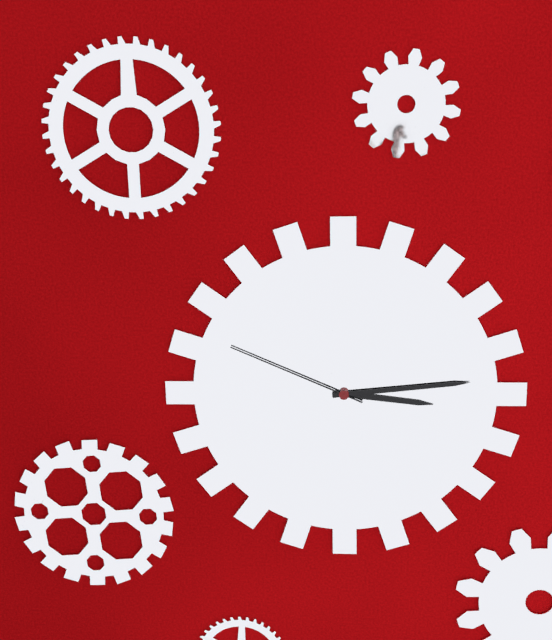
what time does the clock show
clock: 3:14:49
